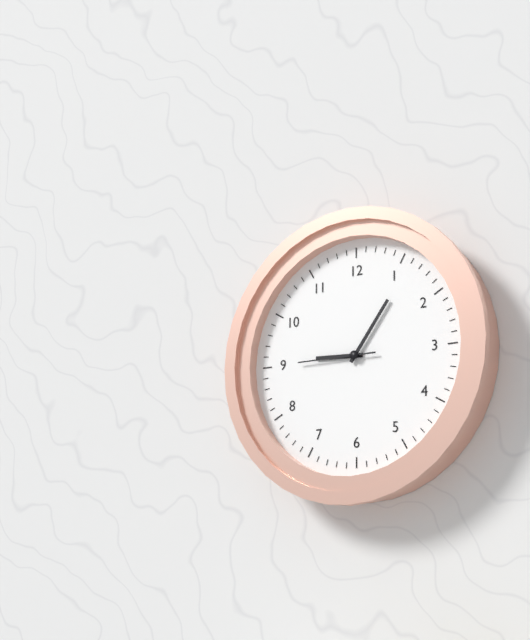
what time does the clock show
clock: 9:06:45
